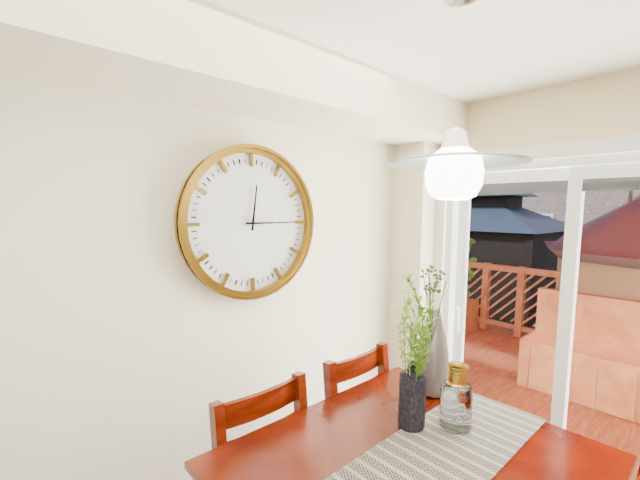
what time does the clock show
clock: 12:15
